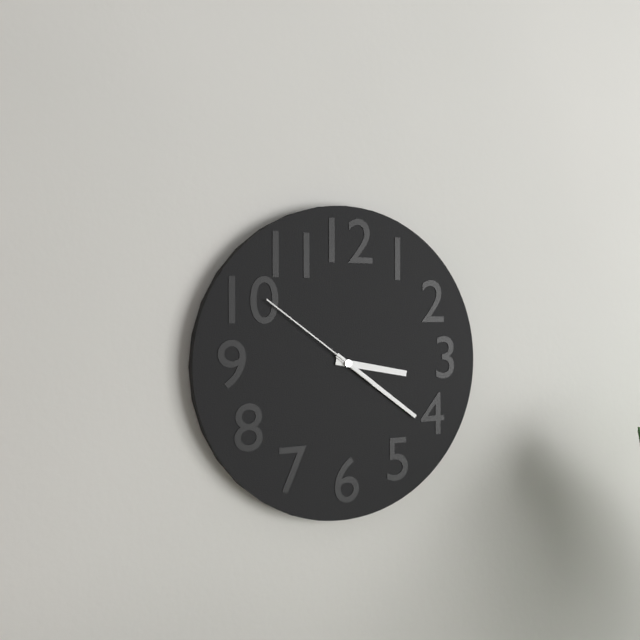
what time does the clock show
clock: 3:21:51
